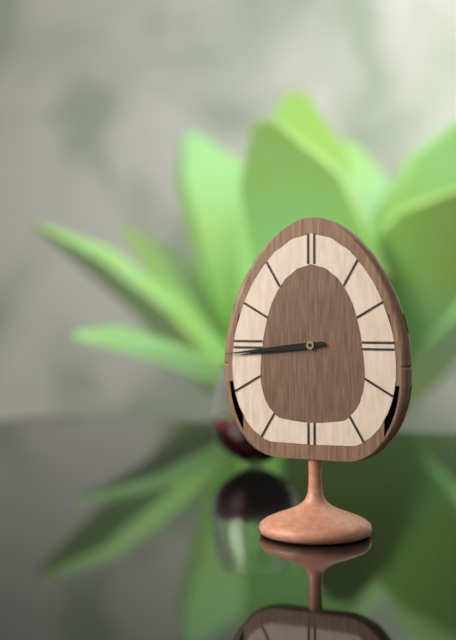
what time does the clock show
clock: 8:44
